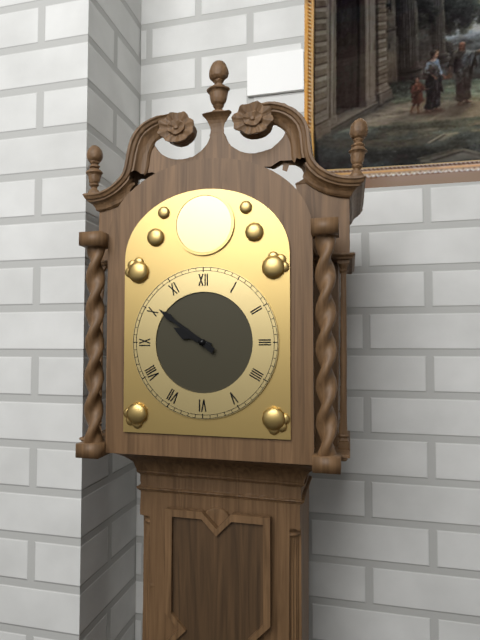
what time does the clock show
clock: 9:51
